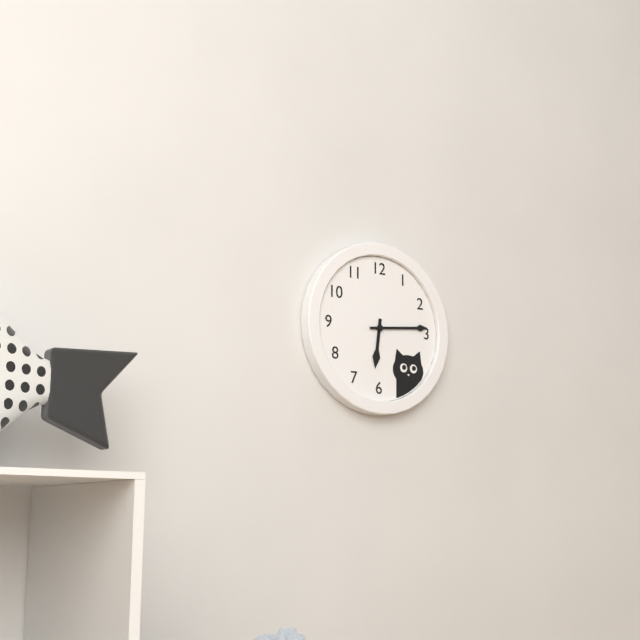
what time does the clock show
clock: 6:14
